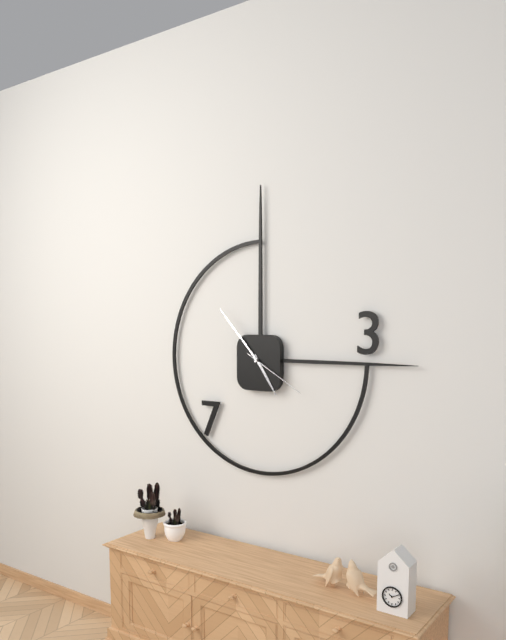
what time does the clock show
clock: 4:53:20
